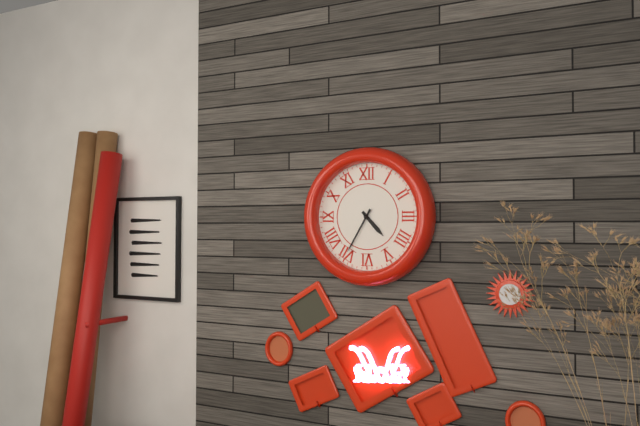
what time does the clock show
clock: 4:35
